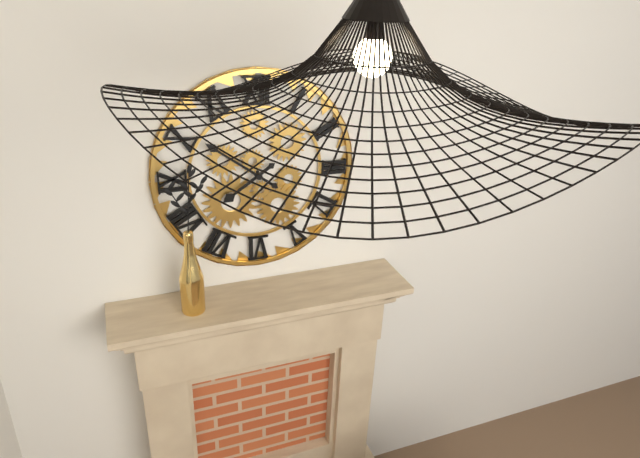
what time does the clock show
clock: 7:51
